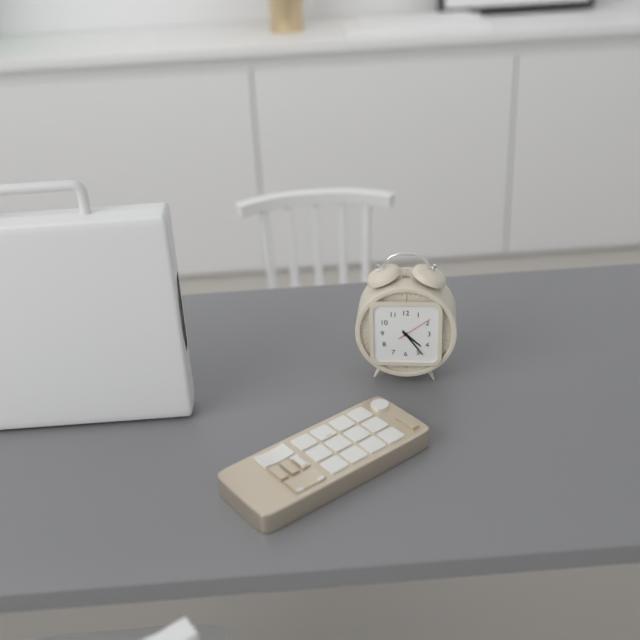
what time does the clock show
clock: 4:24
